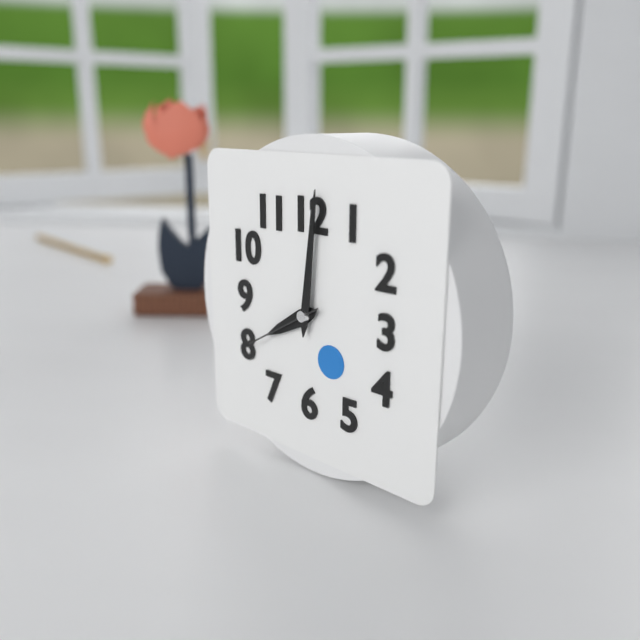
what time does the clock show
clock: 8:01:40
